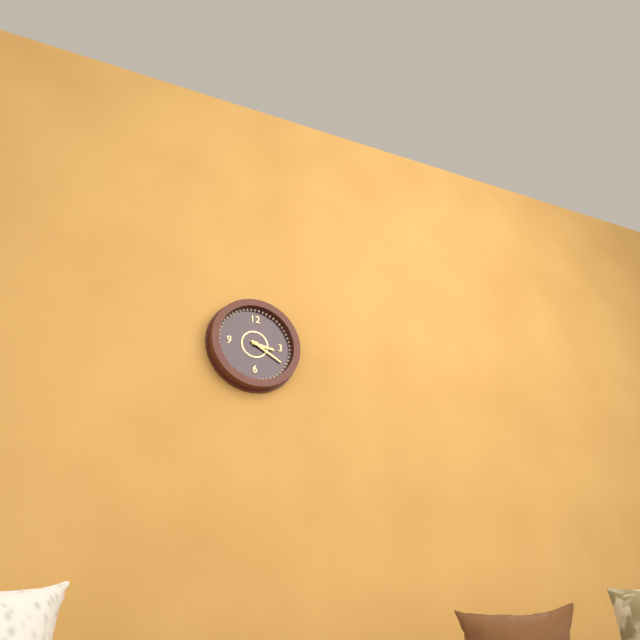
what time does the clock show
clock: 3:20
